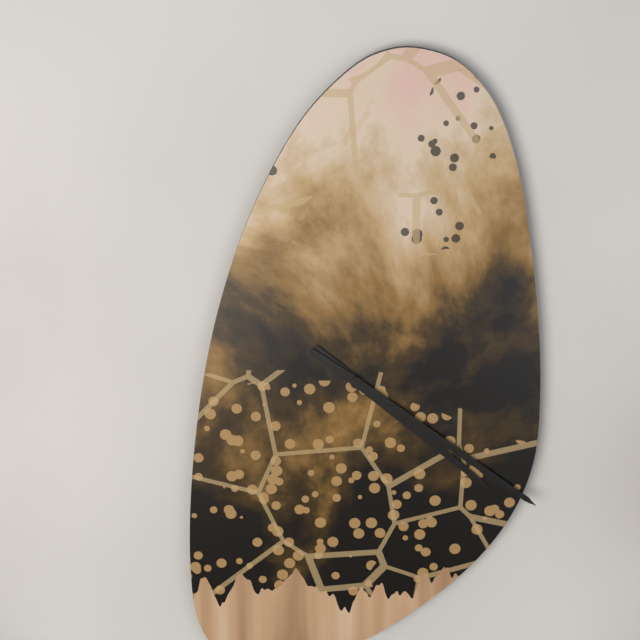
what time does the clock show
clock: 4:21
